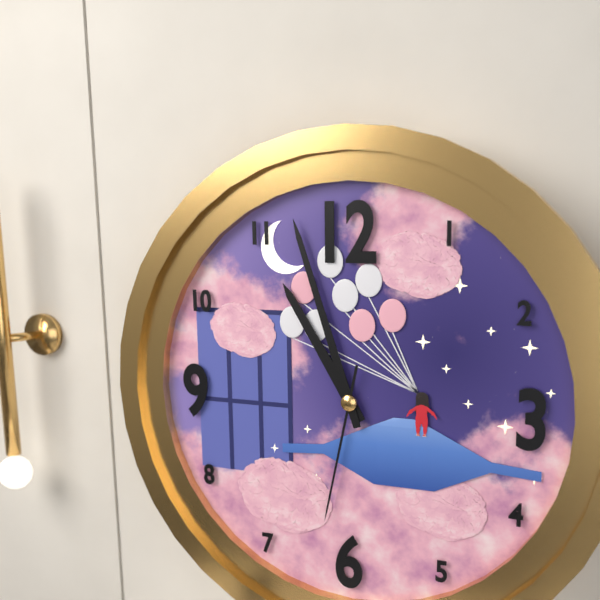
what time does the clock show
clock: 10:57:32
